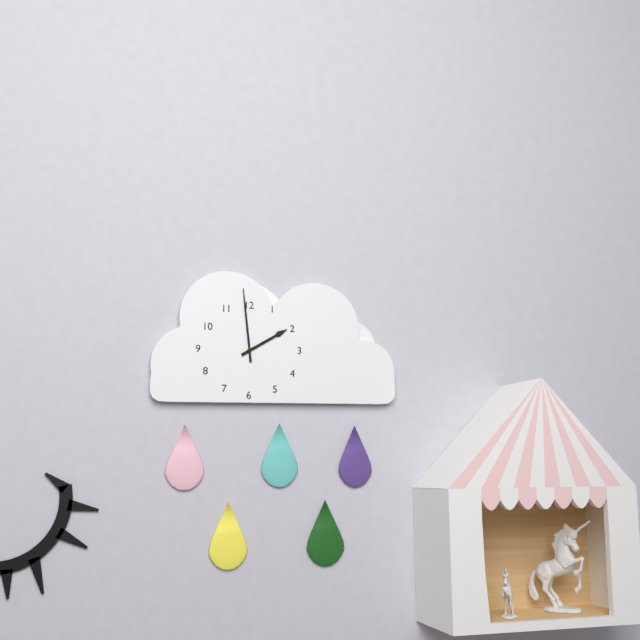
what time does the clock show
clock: 1:59
